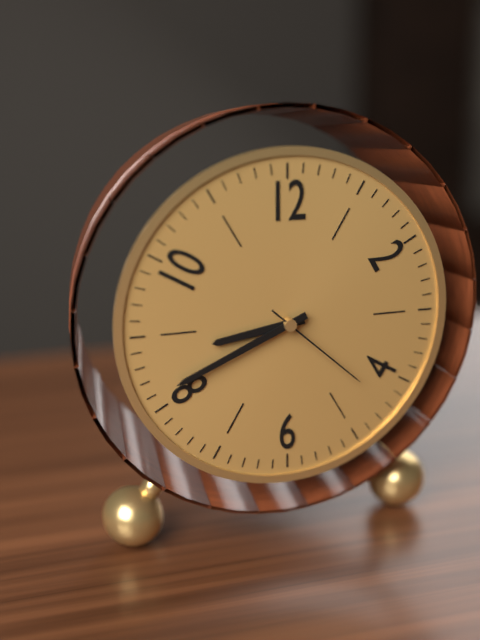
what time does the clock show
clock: 8:41:22
